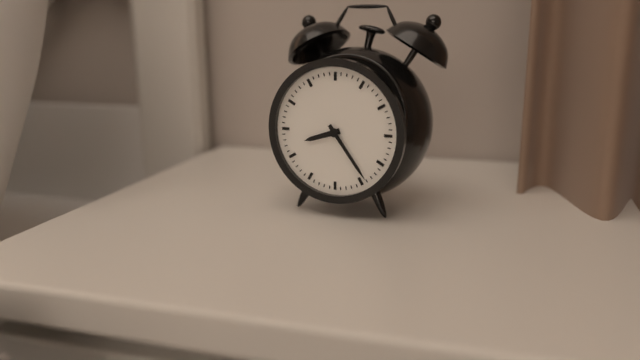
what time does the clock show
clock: 8:24
